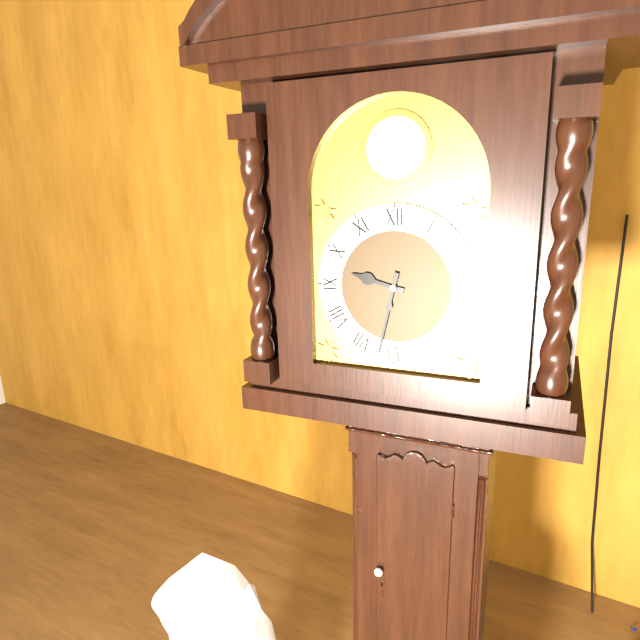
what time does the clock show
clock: 9:32
